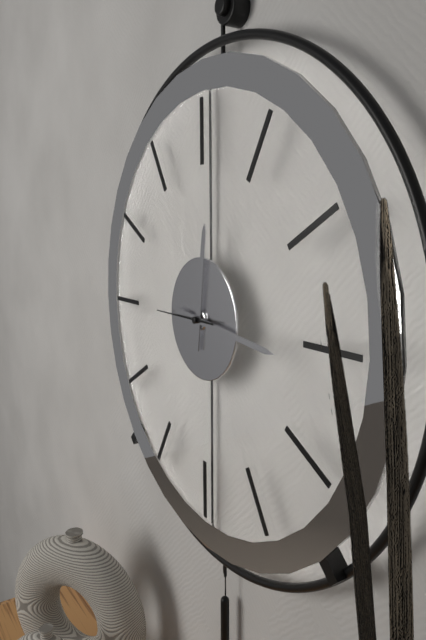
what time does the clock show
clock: 12:16:45
